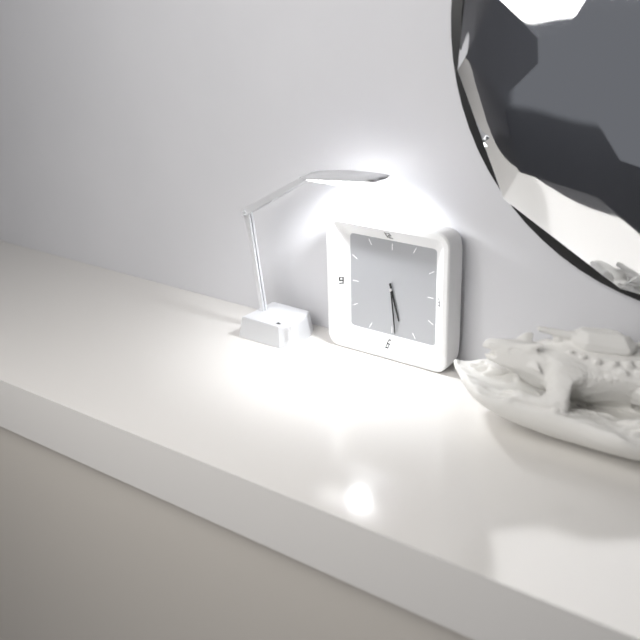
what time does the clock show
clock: 5:29
